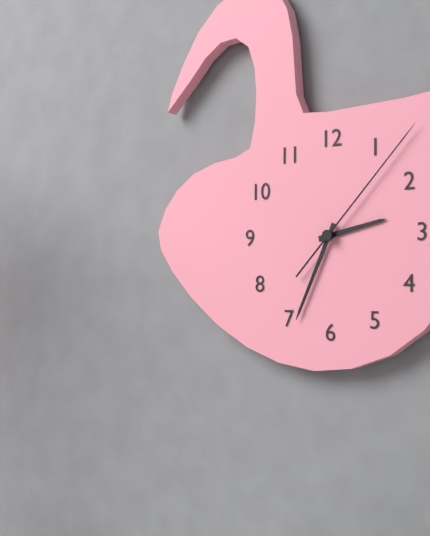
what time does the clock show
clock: 2:34:07
